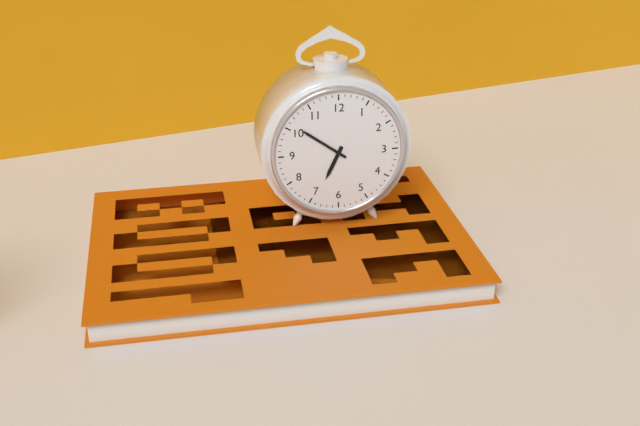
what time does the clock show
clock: 6:51
